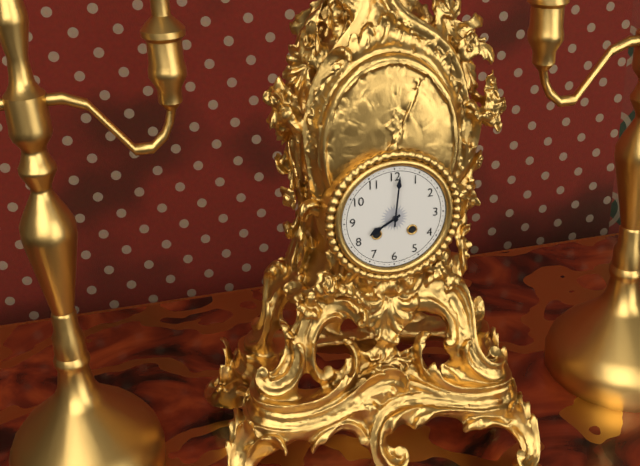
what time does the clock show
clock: 8:01
